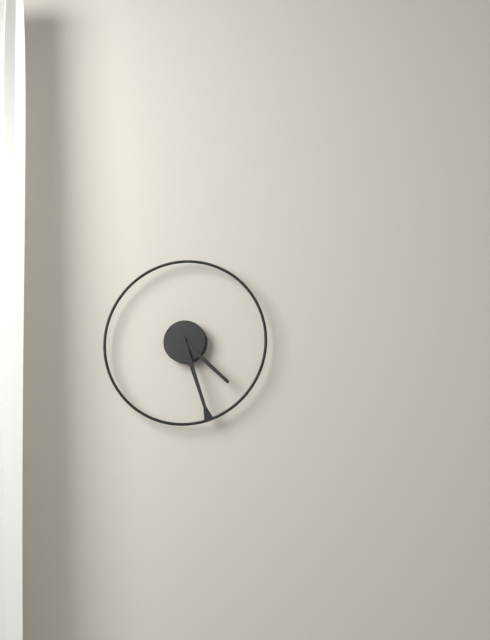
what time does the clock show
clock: 4:27
